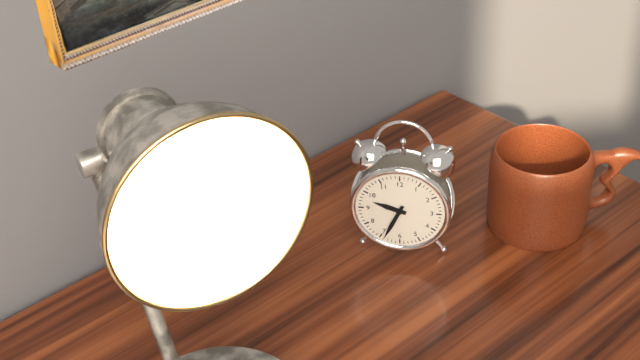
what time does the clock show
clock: 9:34
